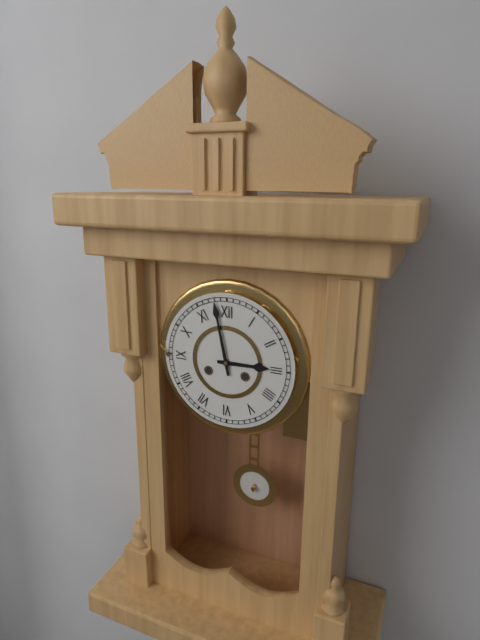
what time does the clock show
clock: 2:58
